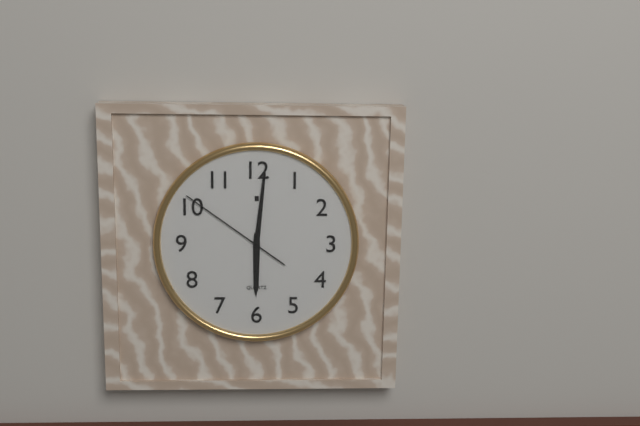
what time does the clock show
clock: 6:01:51
